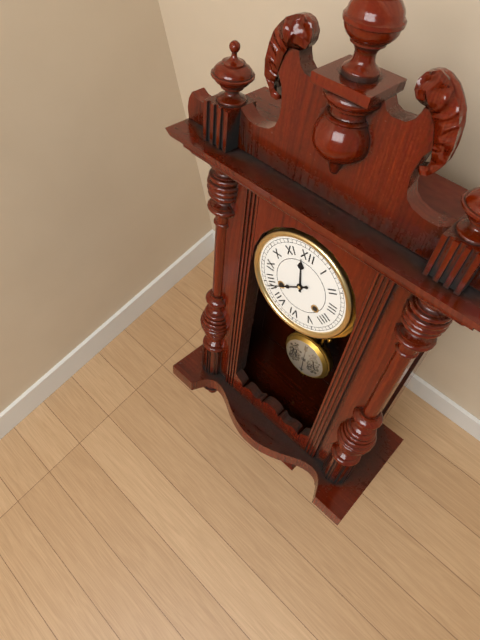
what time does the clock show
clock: 11:39
